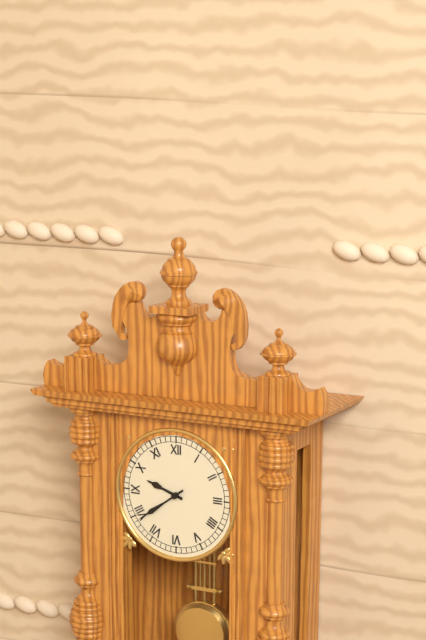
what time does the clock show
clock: 9:39
